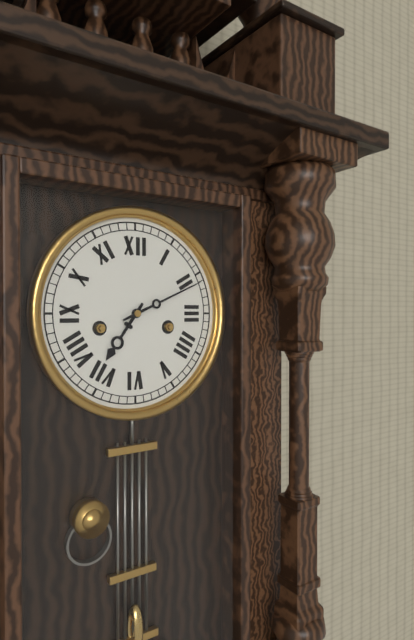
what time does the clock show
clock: 7:11
